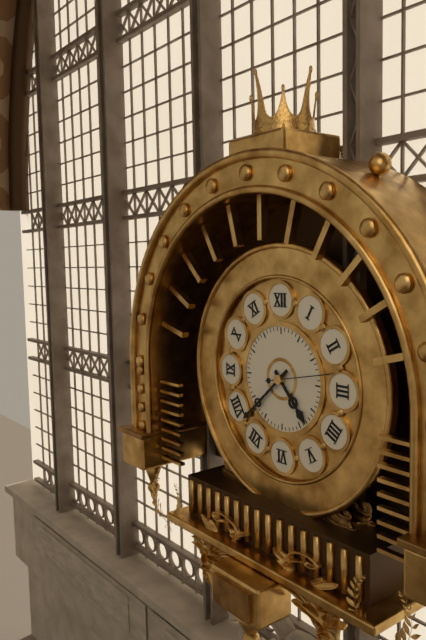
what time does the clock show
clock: 4:38:13
